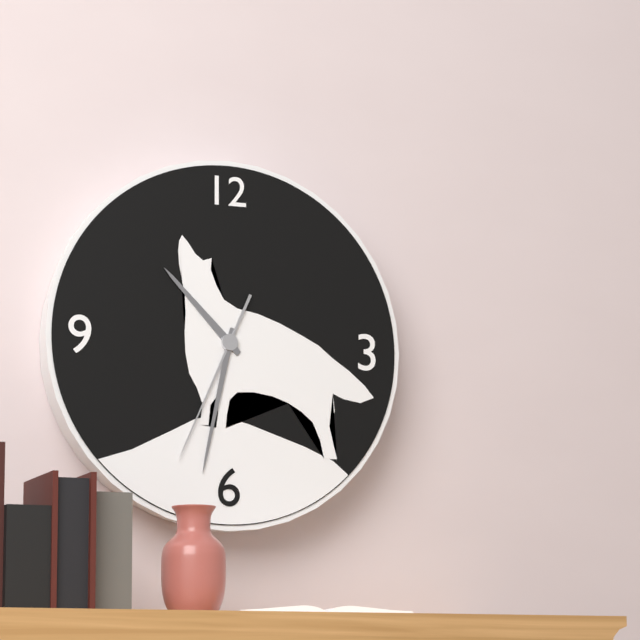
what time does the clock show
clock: 10:32:34
